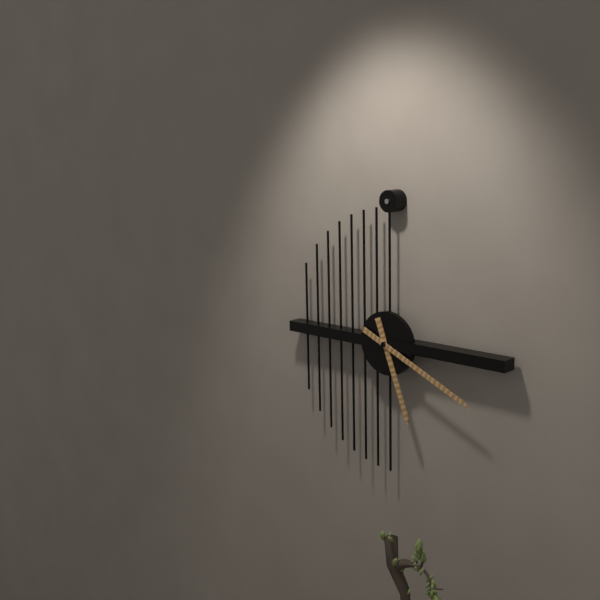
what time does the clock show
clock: 5:19
